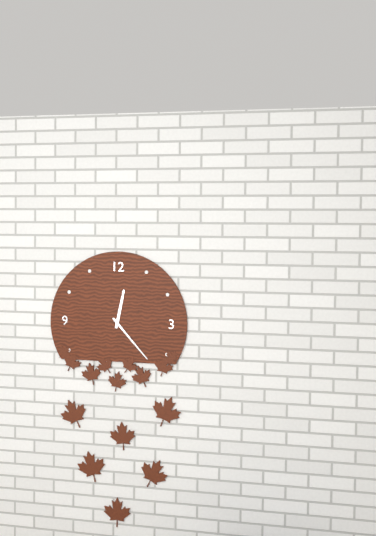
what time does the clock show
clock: 12:23
